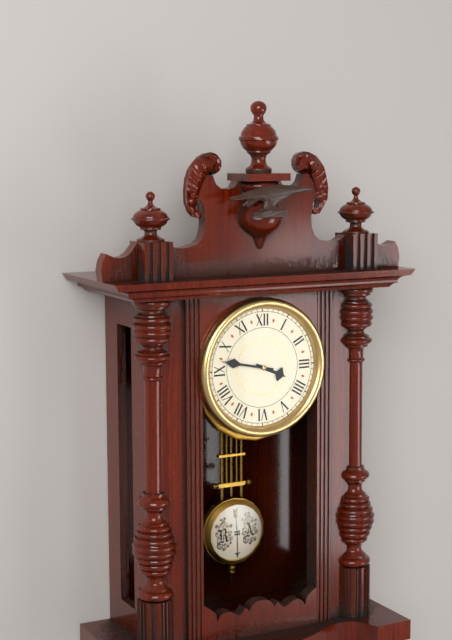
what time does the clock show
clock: 3:47
